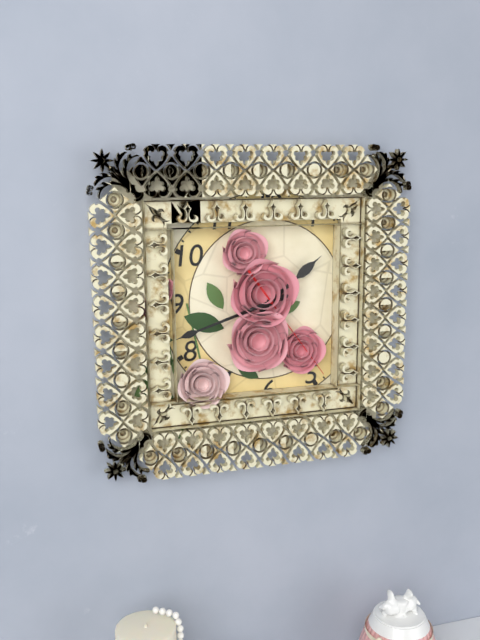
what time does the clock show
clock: 1:42:24
